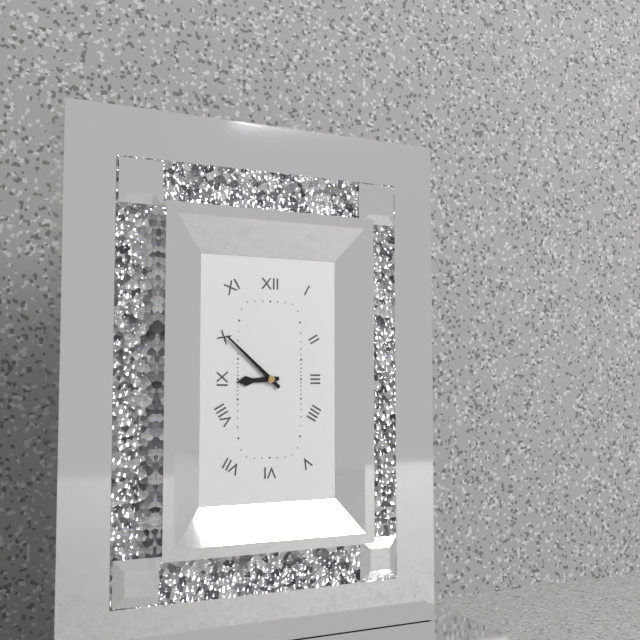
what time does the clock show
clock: 8:52
